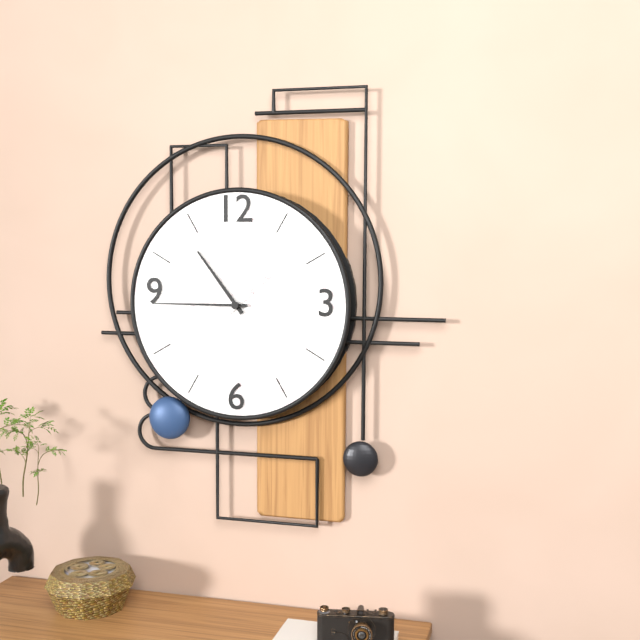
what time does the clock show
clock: 10:45:08
